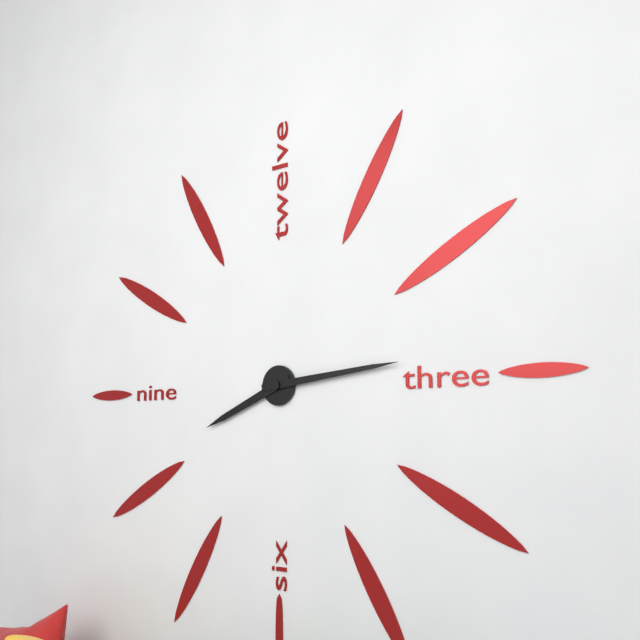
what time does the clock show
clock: 8:14
